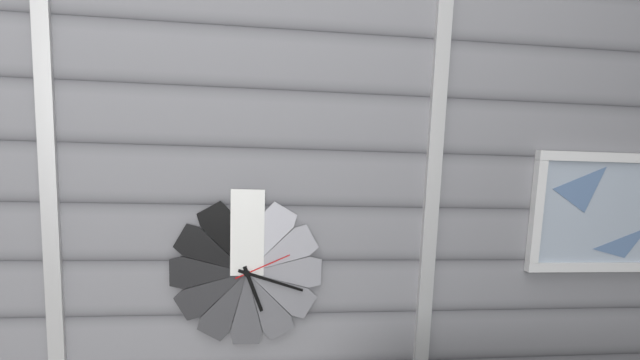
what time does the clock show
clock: 5:18:11
